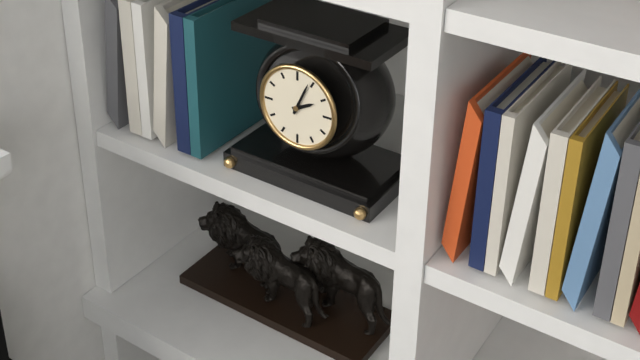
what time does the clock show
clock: 2:04
